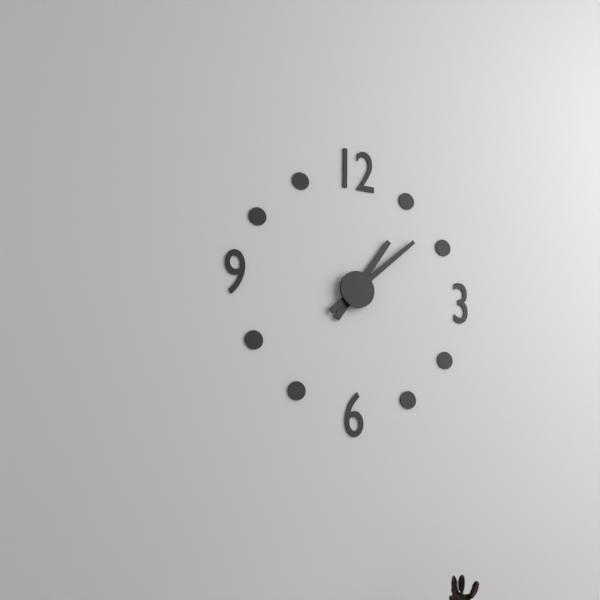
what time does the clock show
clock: 1:08
